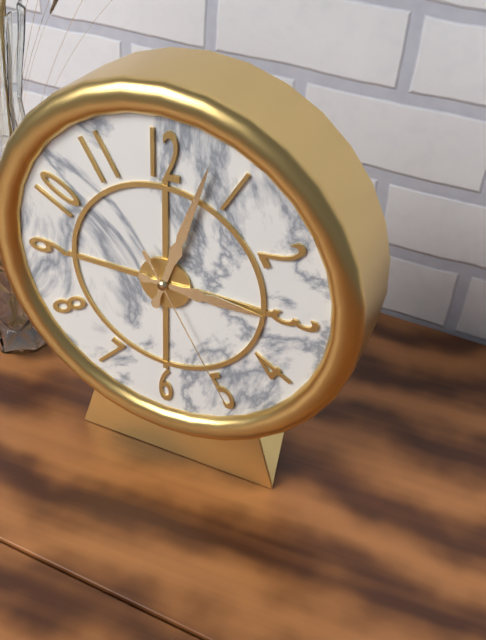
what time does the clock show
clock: 3:03:25
